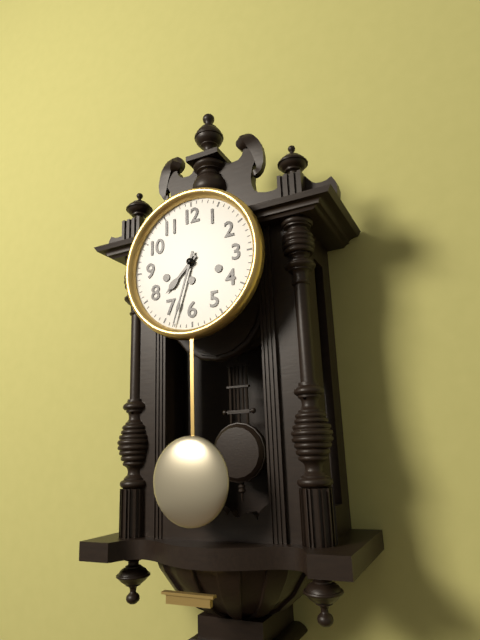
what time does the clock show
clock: 7:33
